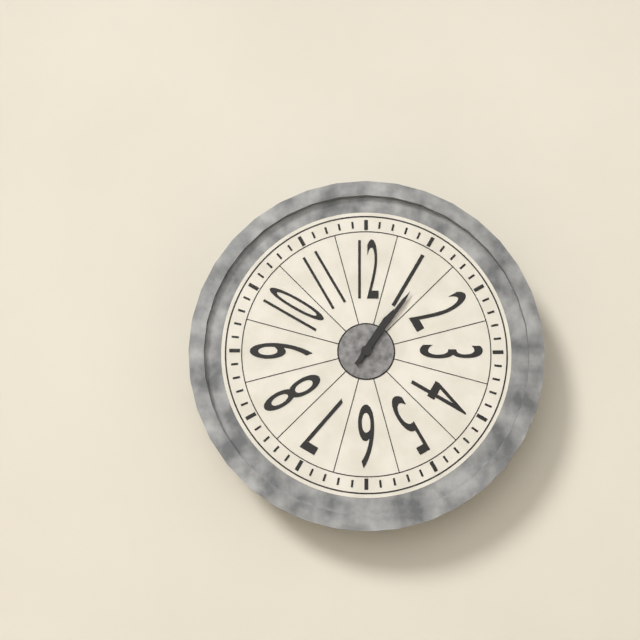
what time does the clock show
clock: 1:06
